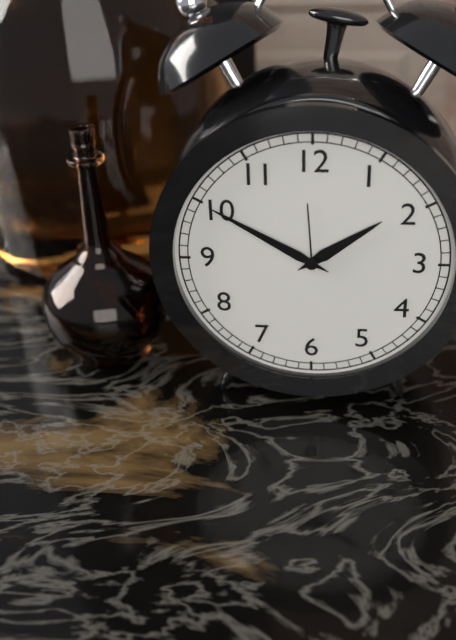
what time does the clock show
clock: 1:50
